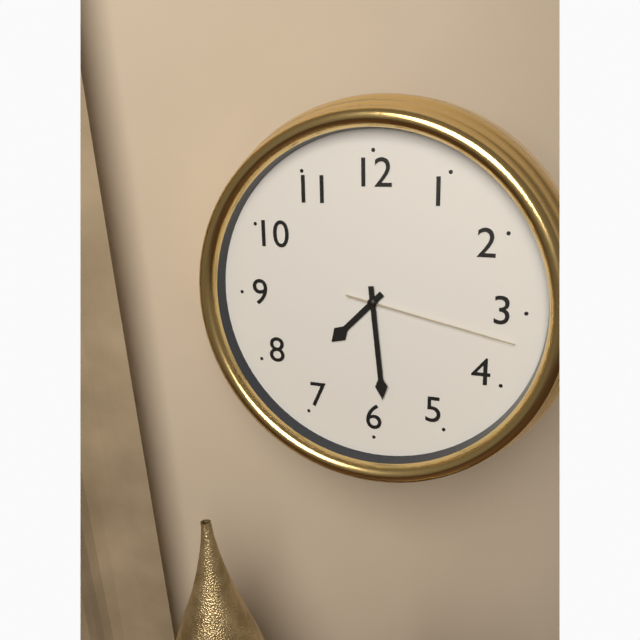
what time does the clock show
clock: 7:29:17
